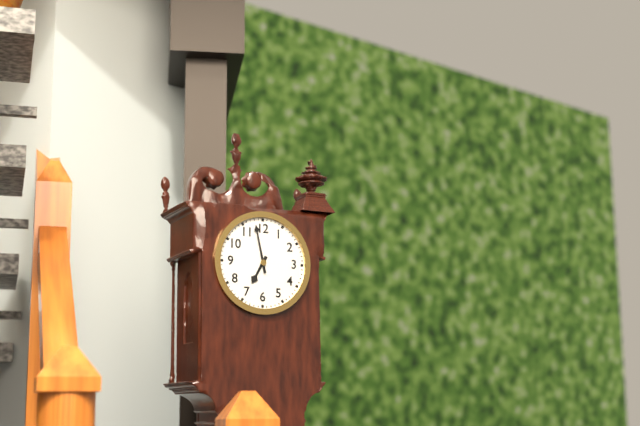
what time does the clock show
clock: 6:58
